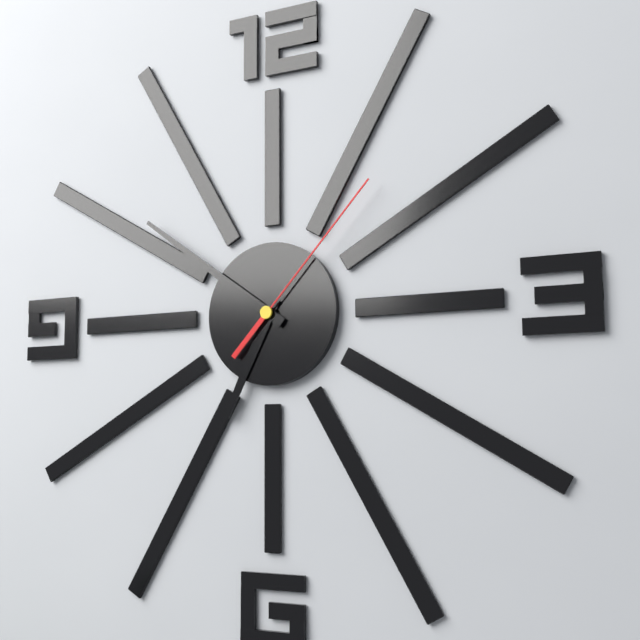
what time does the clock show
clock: 6:51:07
